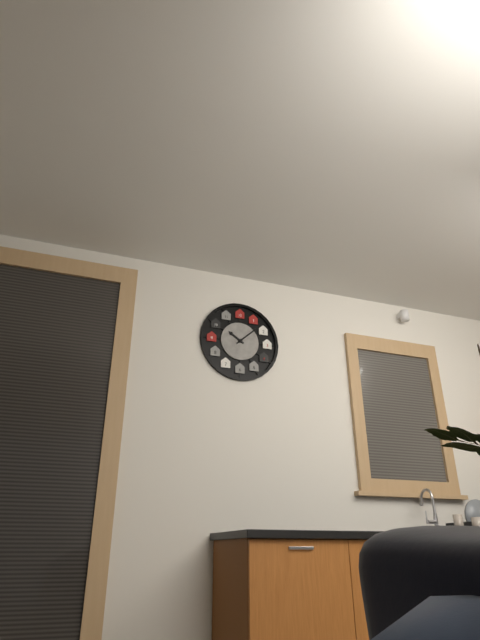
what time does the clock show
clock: 10:08
